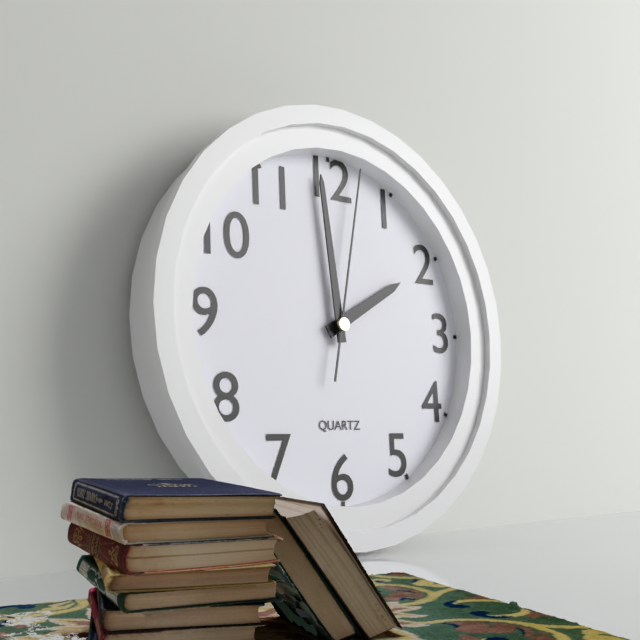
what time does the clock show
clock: 1:59:02
